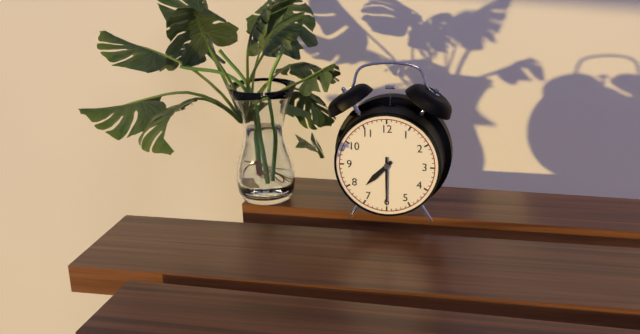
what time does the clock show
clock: 7:30
